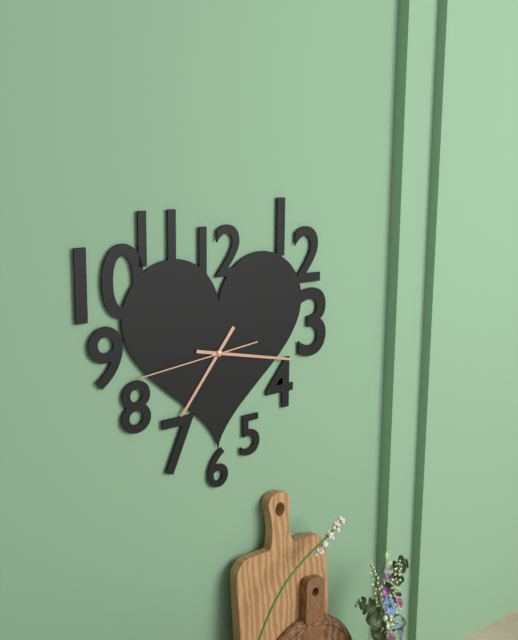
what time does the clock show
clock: 7:17:44
